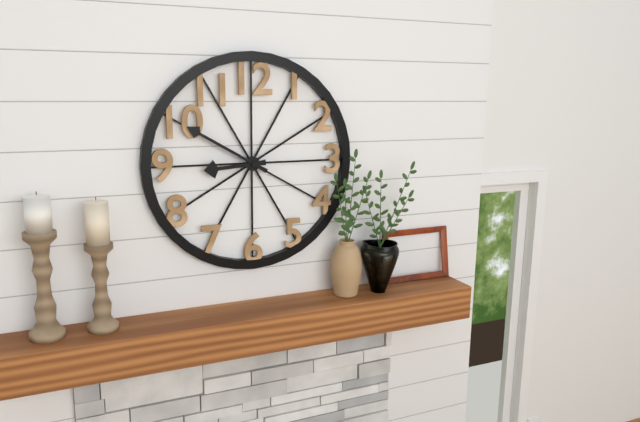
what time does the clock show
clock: 8:50
